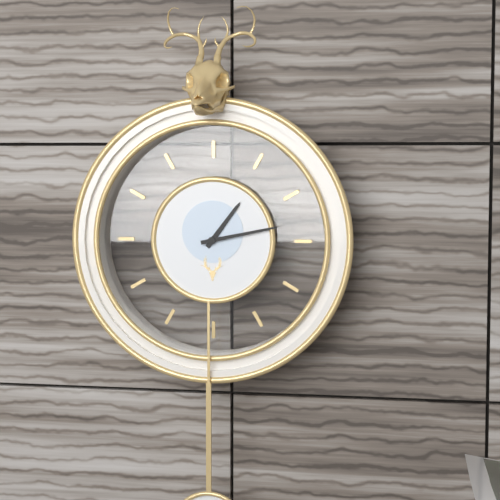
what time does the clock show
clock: 1:13
